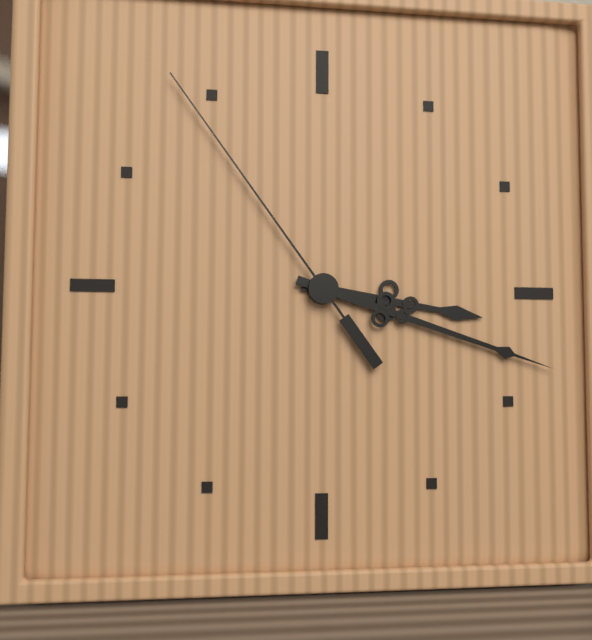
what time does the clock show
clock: 3:18:54
